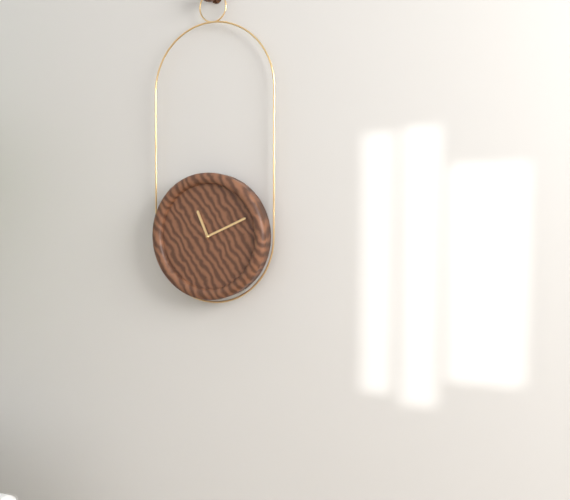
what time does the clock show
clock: 11:11
